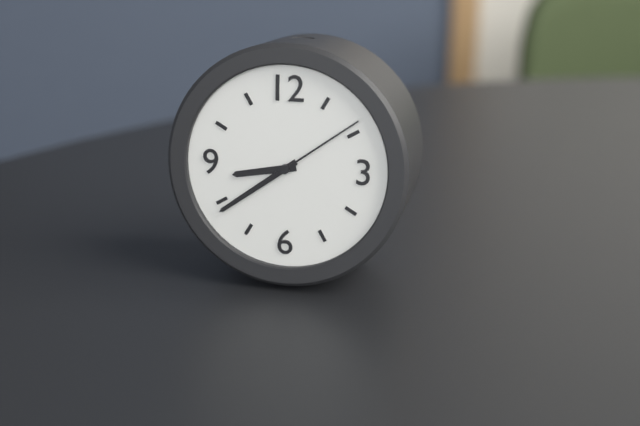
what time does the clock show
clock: 8:39:09
